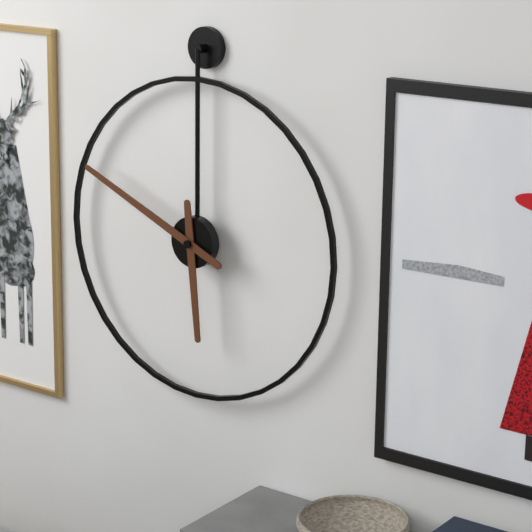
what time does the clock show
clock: 5:49
